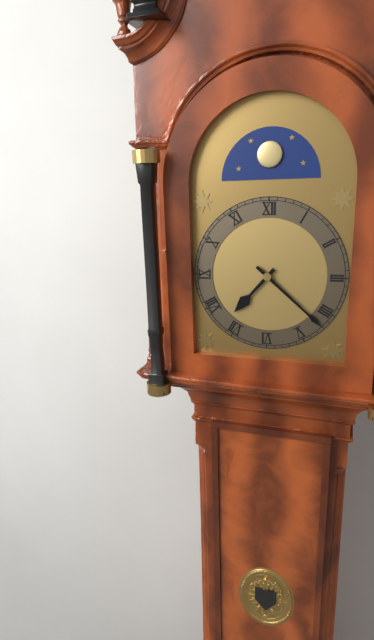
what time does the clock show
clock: 7:22
